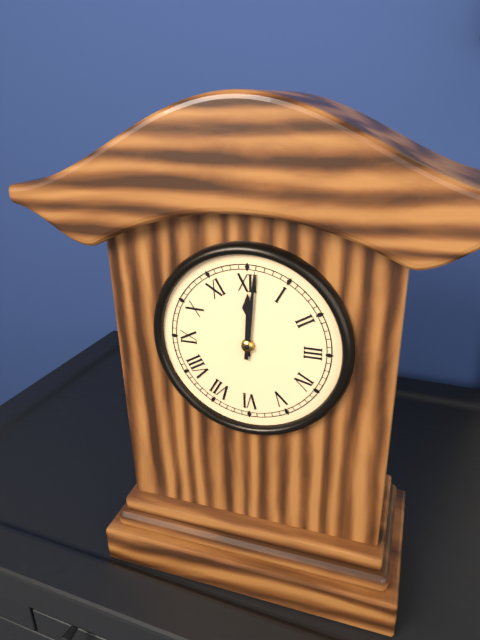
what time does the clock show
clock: 12:01
